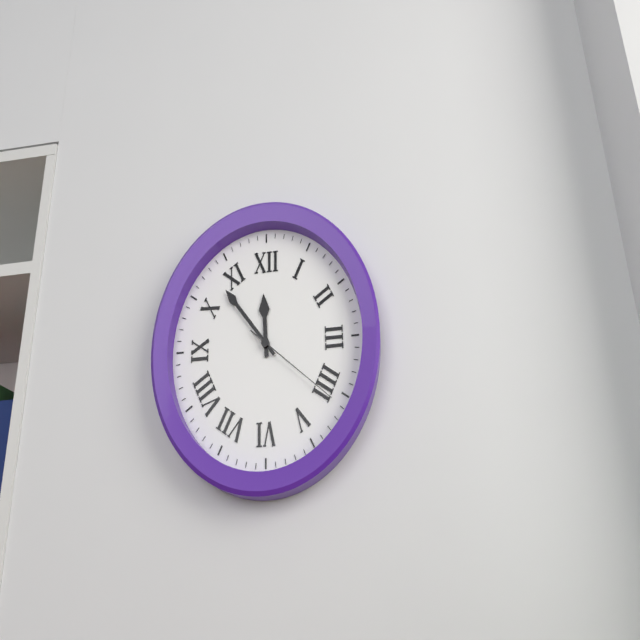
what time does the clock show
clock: 11:53:21
